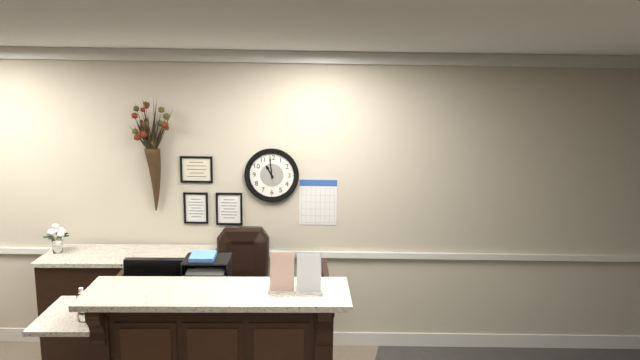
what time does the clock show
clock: 10:59
